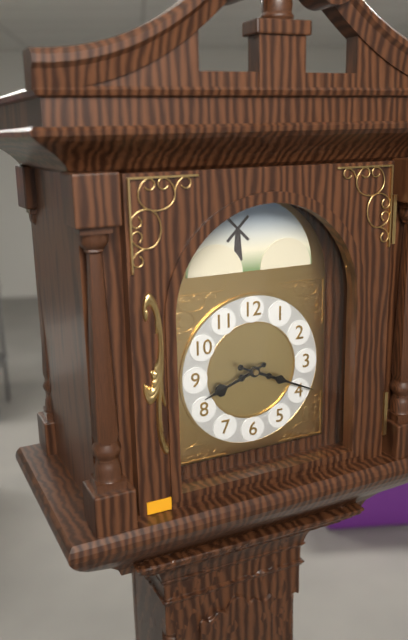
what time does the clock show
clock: 8:19
